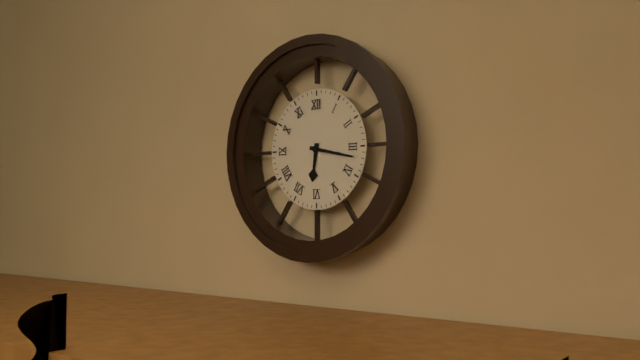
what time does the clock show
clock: 6:17
